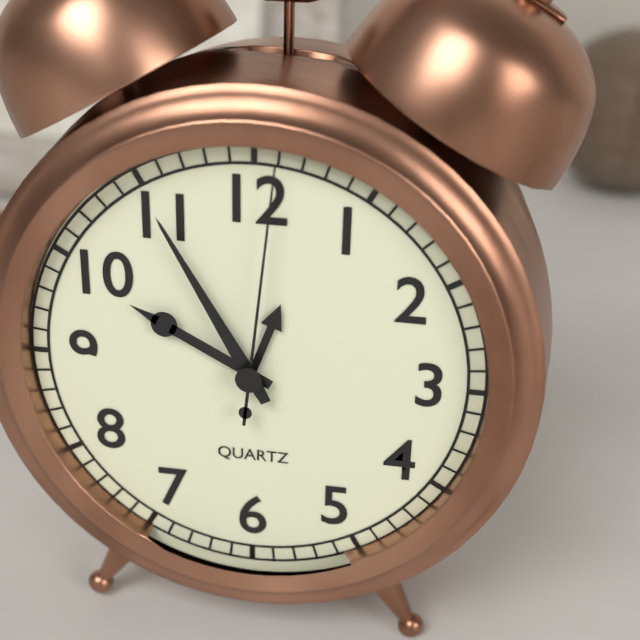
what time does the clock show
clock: 9:55:01
